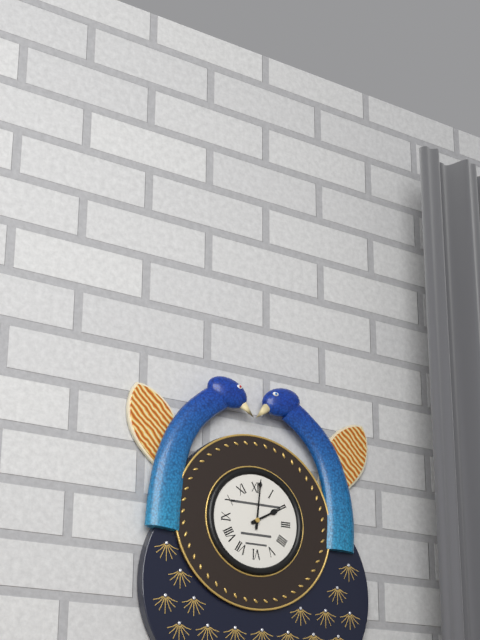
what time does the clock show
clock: 2:01
